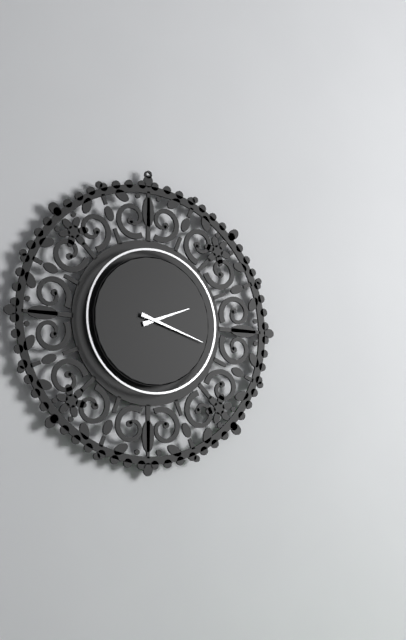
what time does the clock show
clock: 2:18
